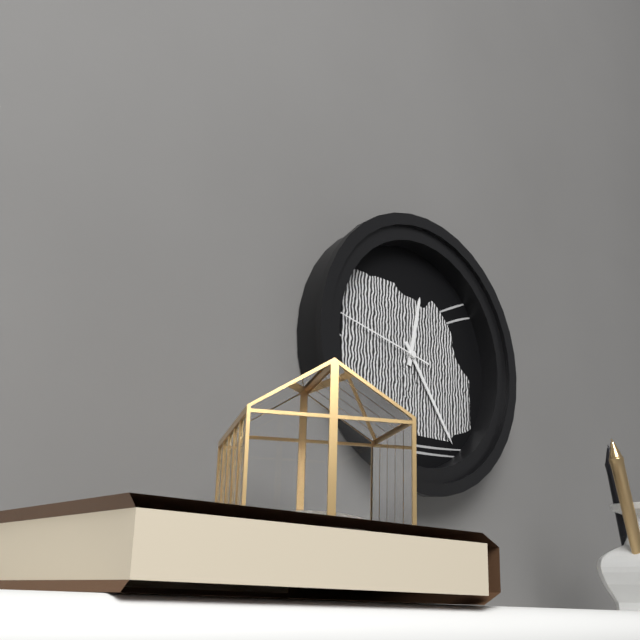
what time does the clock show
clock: 12:24:47
